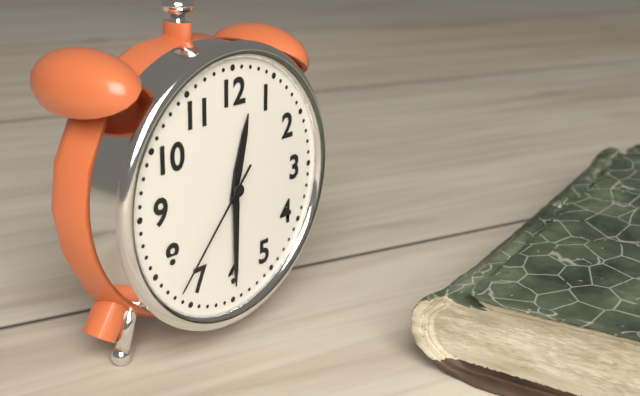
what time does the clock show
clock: 12:30:37
